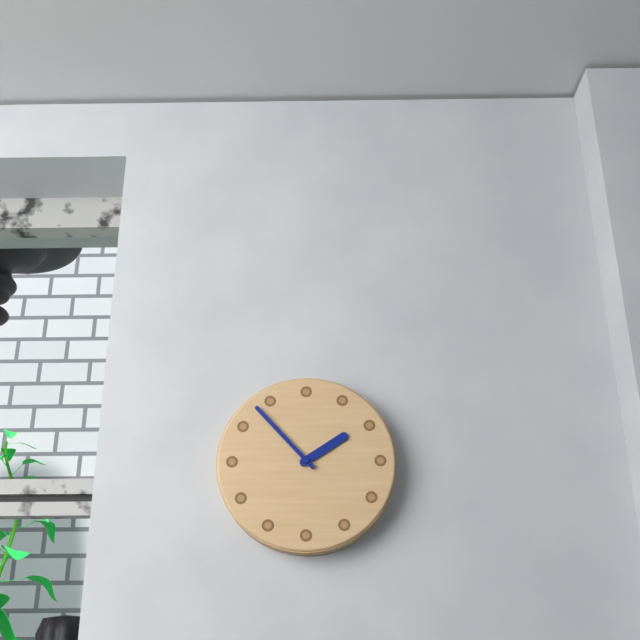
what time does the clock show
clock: 1:53
